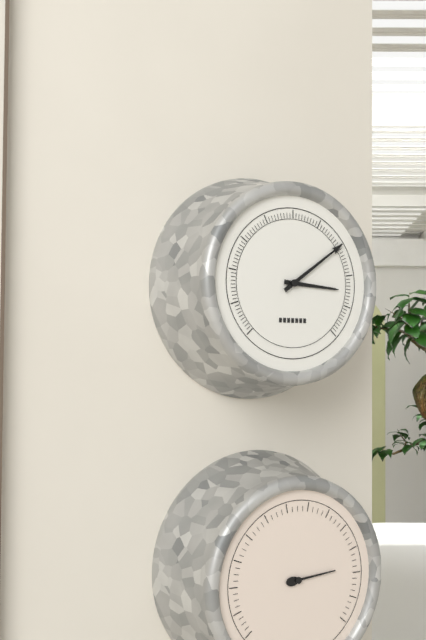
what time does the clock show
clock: 3:09
